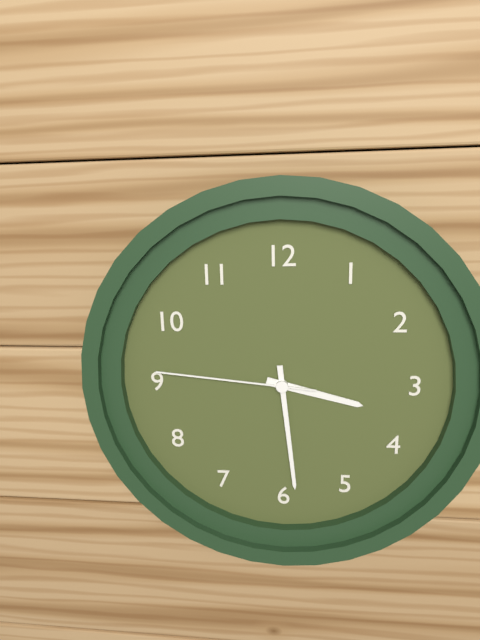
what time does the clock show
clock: 3:29:46
